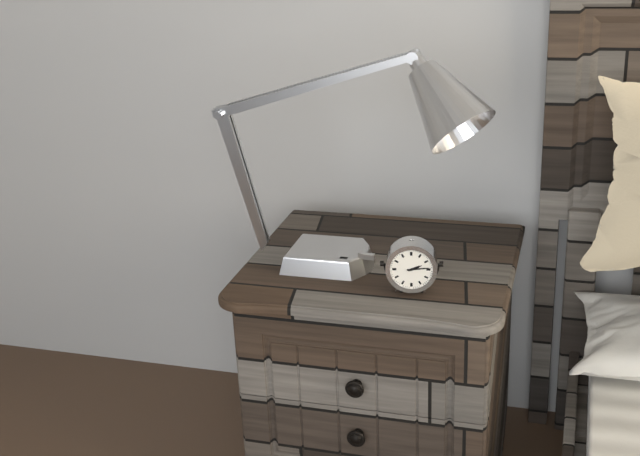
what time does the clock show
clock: 2:14
